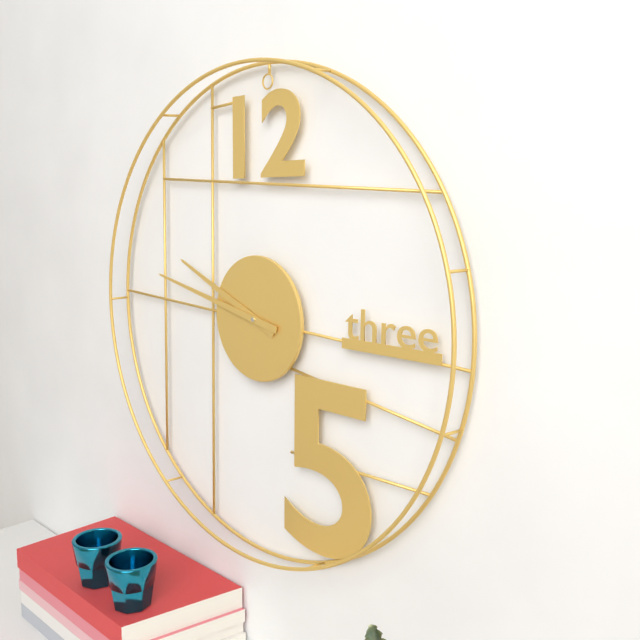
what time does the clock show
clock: 9:47
